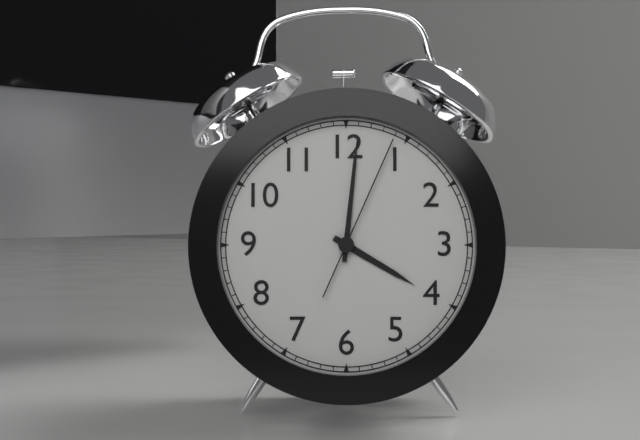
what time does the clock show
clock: 4:01:04
